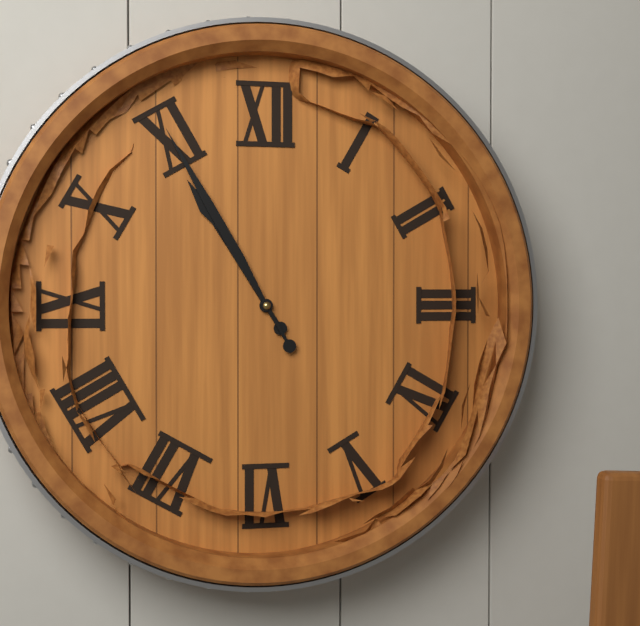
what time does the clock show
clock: 10:55
